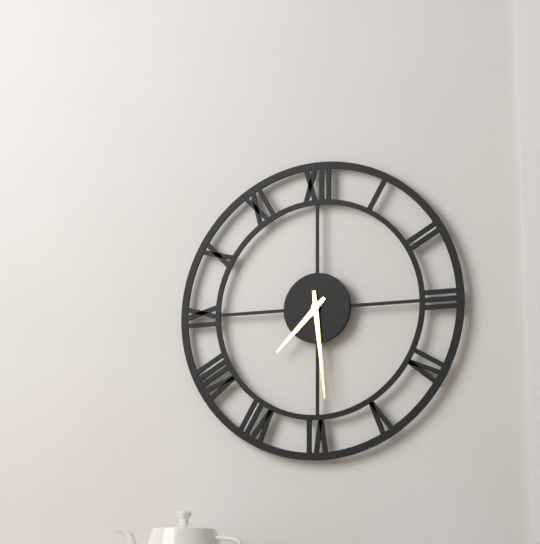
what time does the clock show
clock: 7:29
